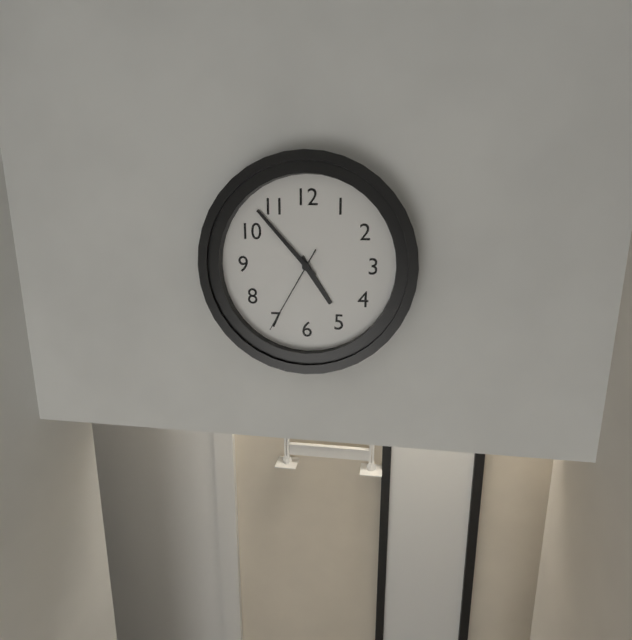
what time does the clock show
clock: 4:53:35
